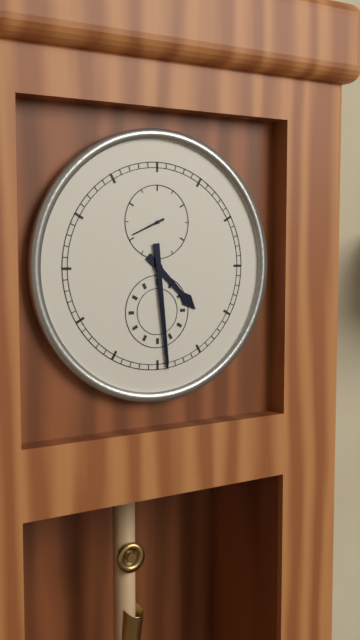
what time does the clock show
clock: 4:29
